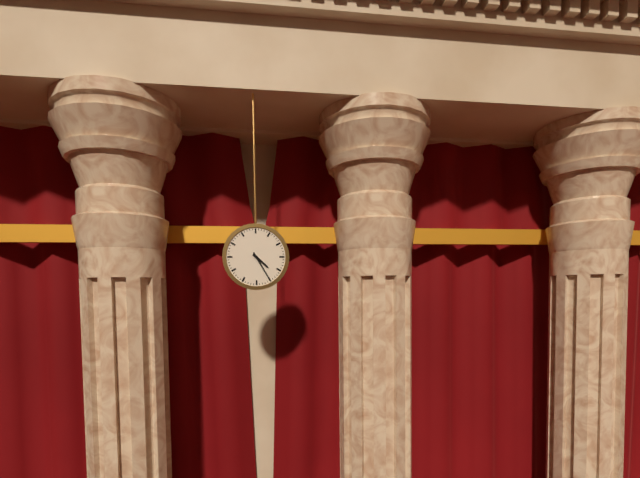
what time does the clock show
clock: 4:25
